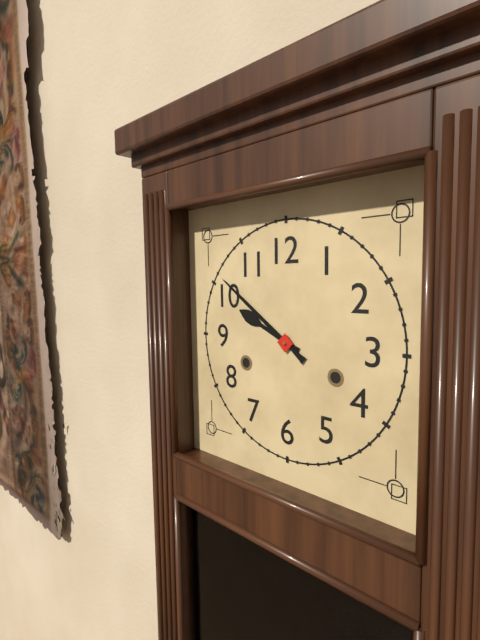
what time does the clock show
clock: 9:51
